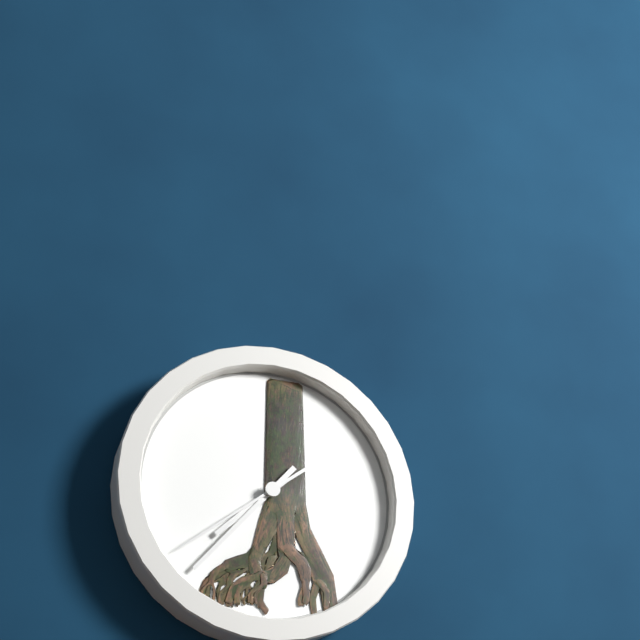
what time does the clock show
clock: 7:37:39
